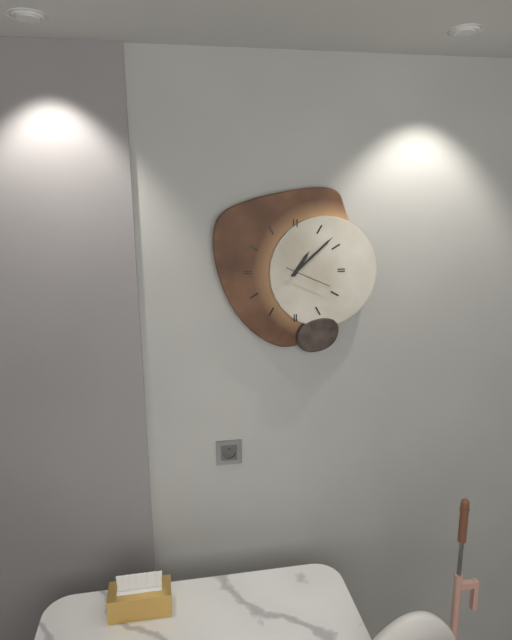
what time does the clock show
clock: 1:08
